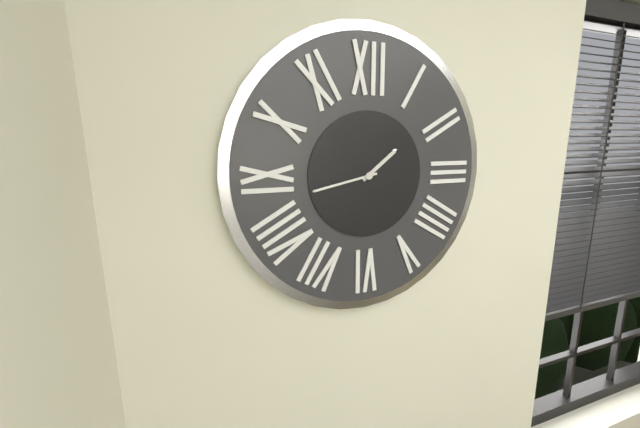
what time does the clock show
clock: 1:43
